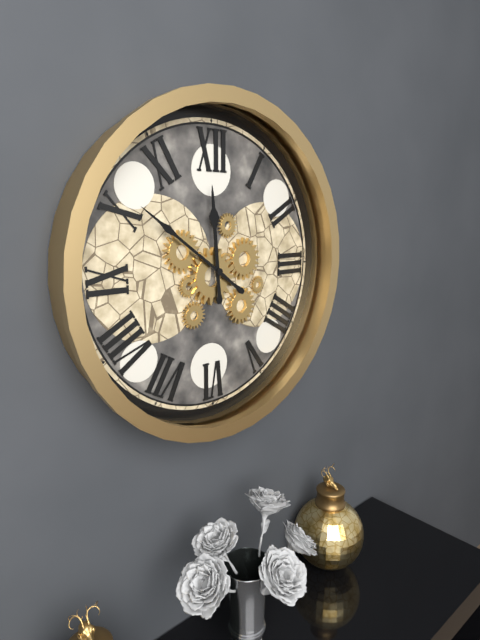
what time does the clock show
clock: 11:51
